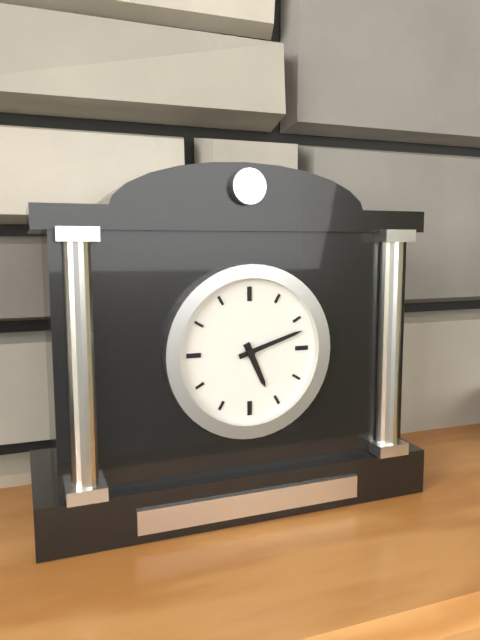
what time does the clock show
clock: 5:12
